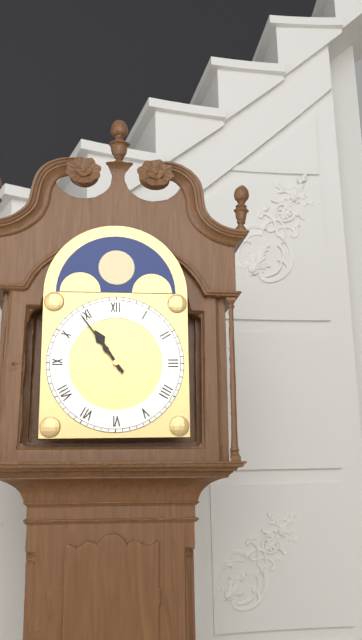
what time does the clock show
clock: 10:54
